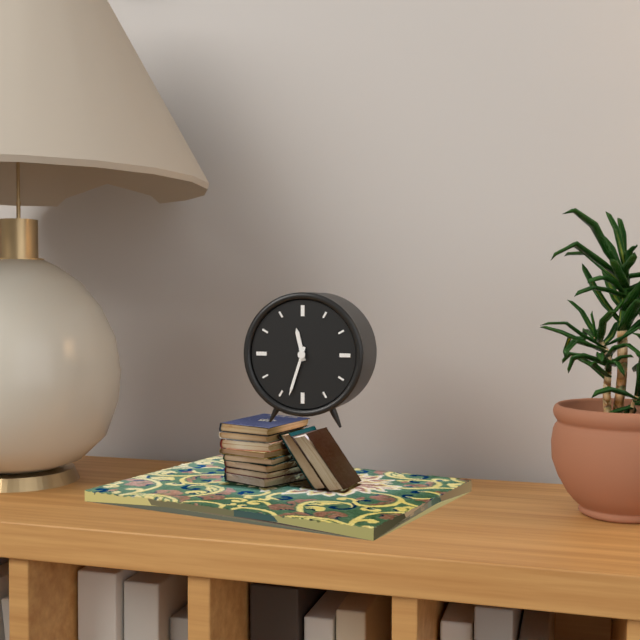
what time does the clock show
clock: 11:33
